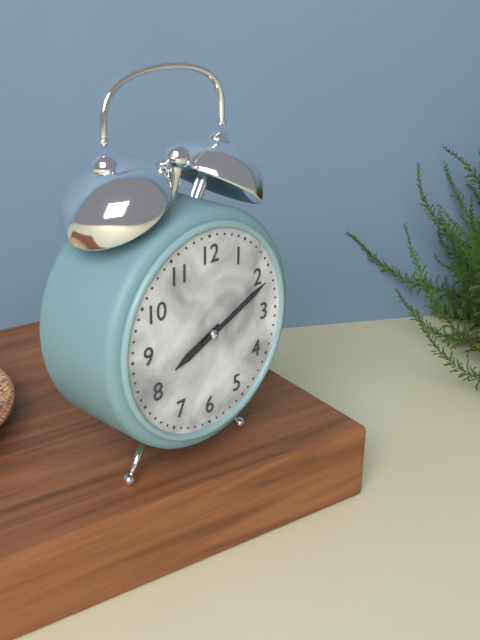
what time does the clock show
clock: 8:11
